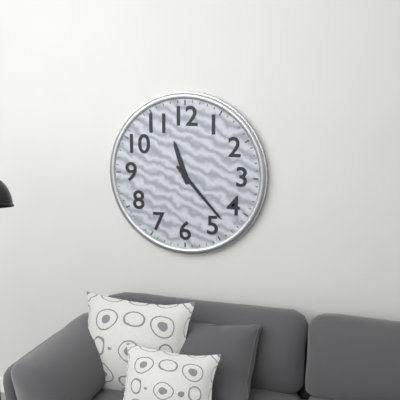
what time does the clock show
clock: 11:23
